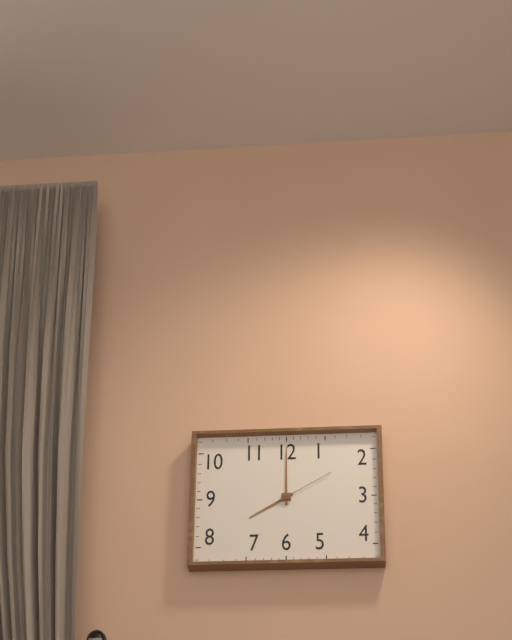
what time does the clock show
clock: 8:00:10
